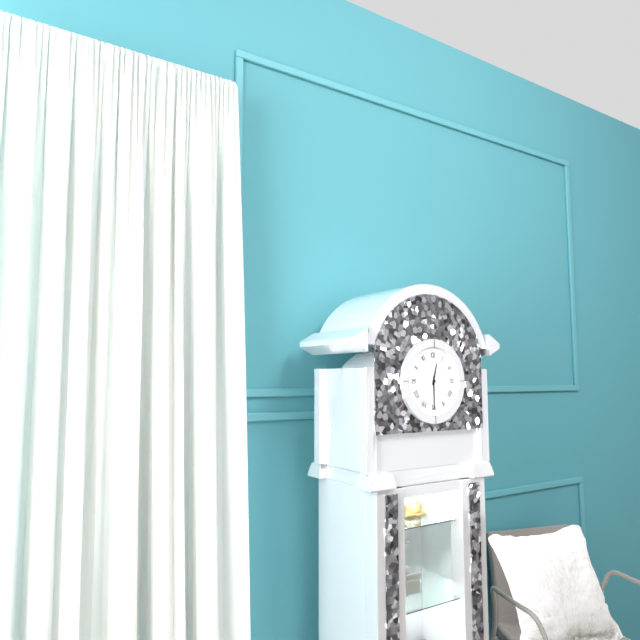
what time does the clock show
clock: 12:30
